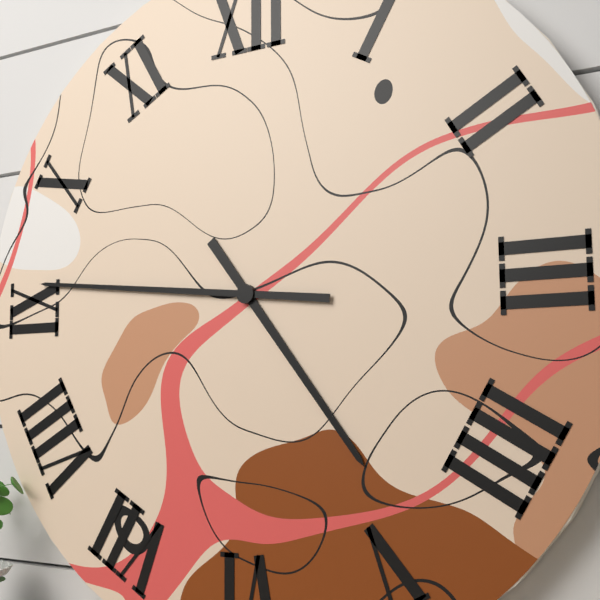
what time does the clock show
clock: 4:46
